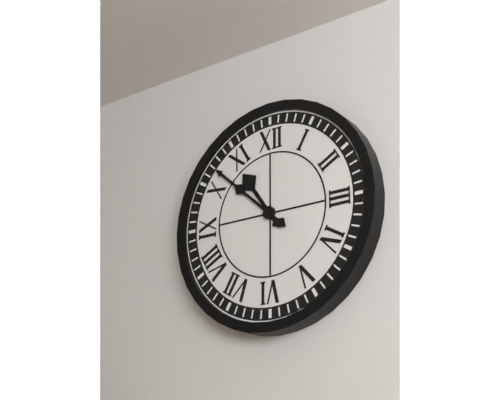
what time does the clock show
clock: 10:52
